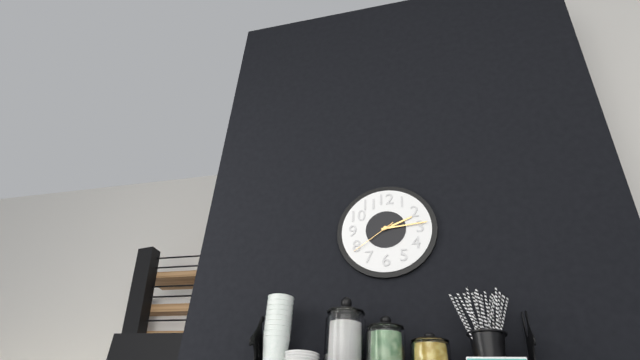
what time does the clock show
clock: 2:14
